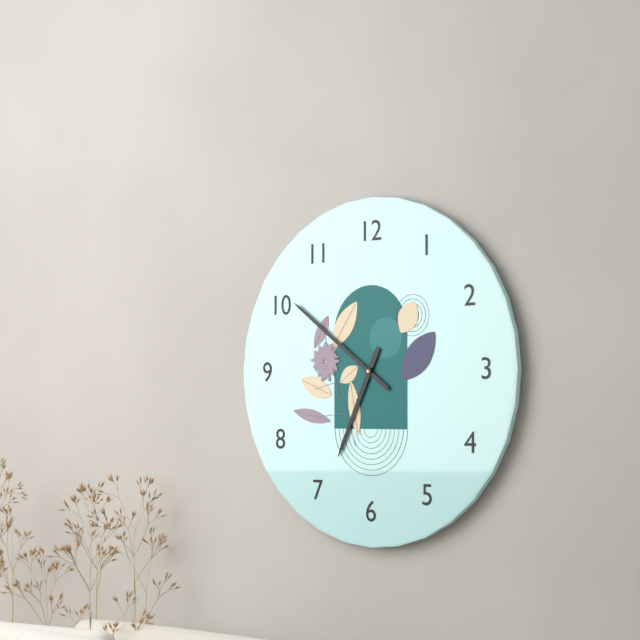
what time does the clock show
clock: 6:51
